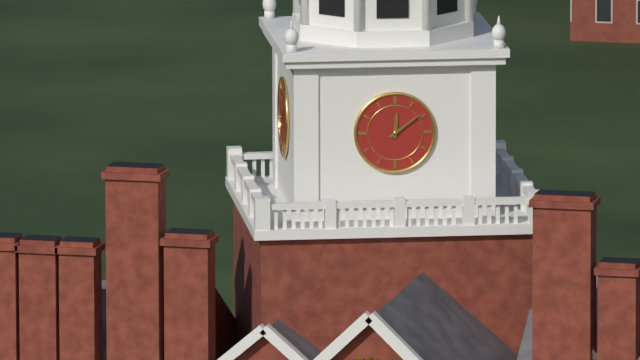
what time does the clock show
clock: 12:09
